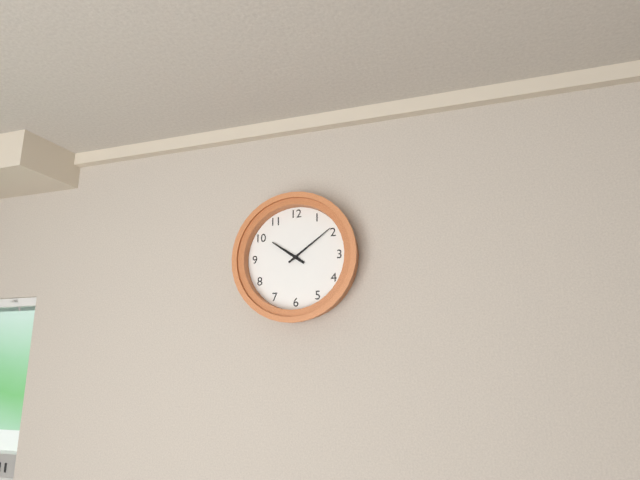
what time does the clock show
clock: 10:09
